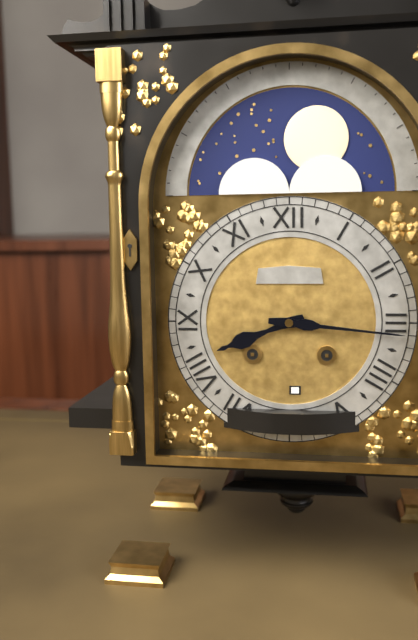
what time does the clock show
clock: 8:16
